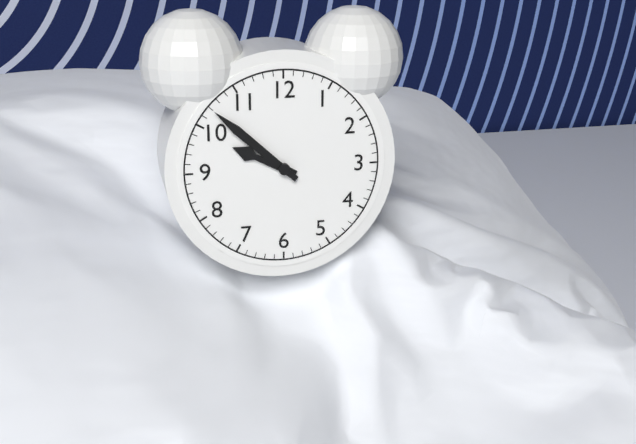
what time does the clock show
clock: 9:52
